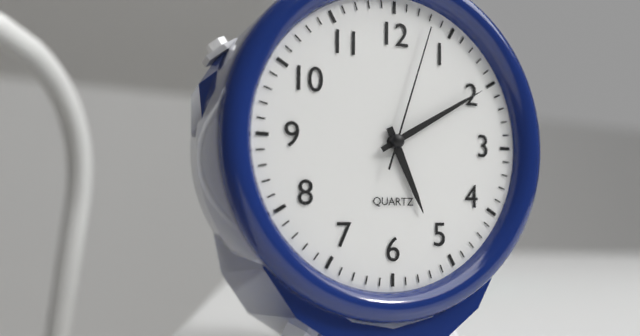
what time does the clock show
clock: 5:10:03
